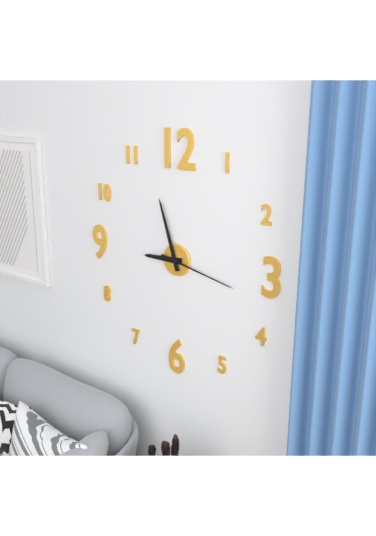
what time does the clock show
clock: 8:57:17
